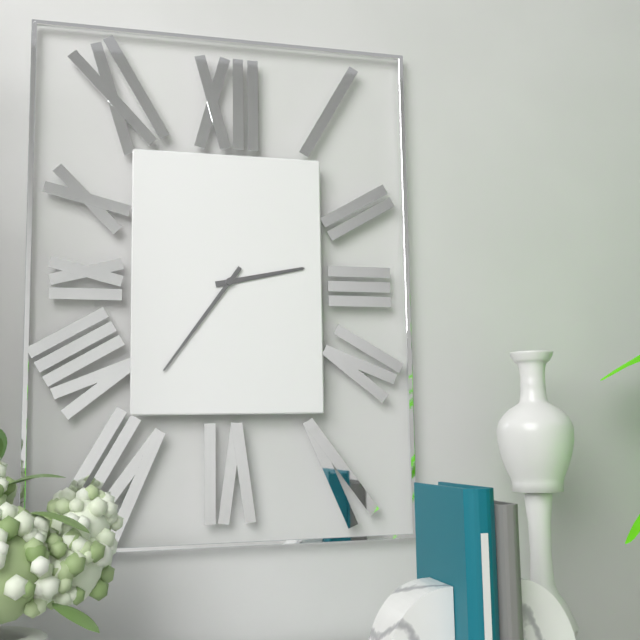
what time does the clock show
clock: 2:36
